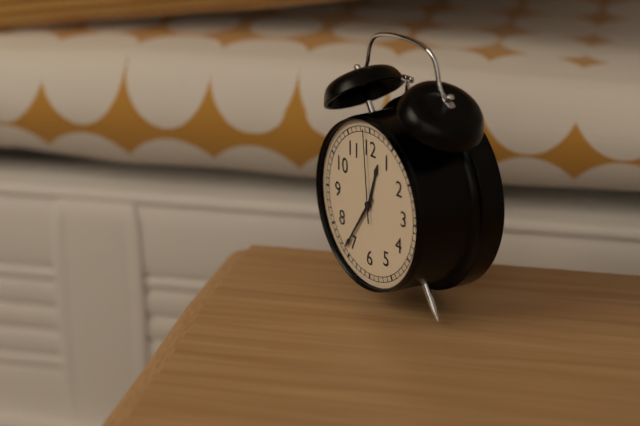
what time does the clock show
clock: 12:36:59
